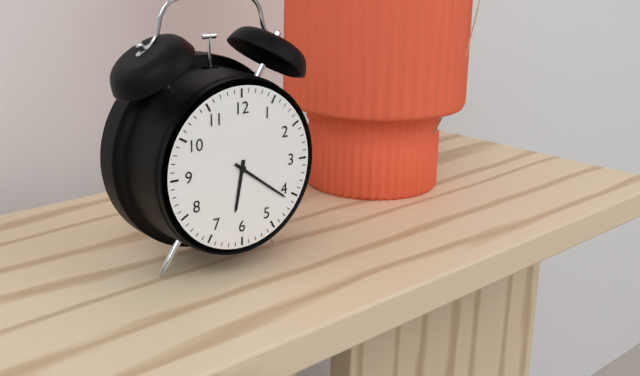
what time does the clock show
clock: 6:21
